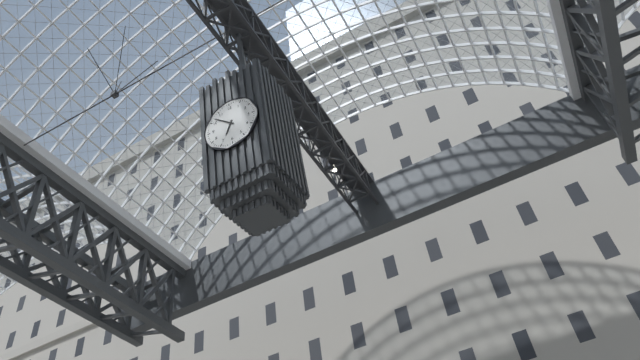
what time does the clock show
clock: 6:52
